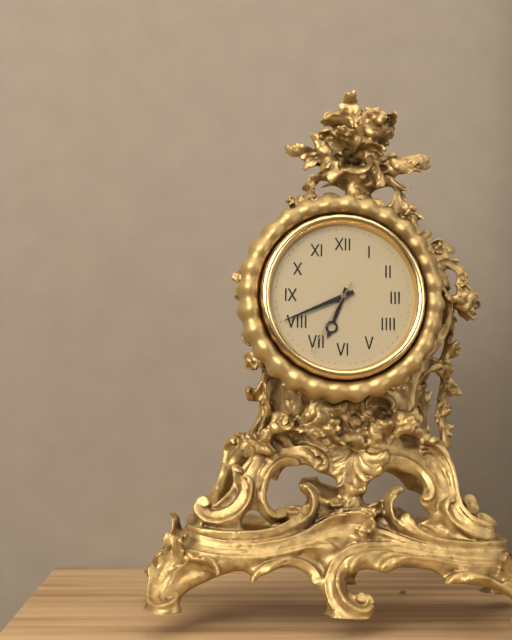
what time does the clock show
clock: 6:41:35
